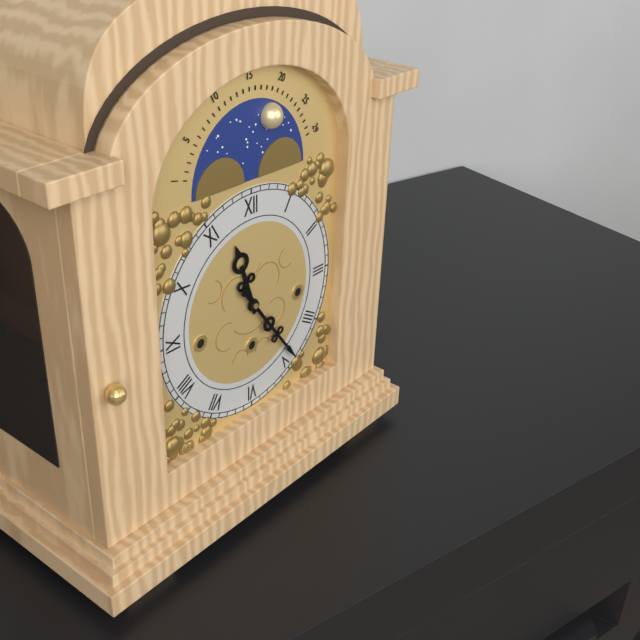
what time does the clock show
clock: 11:24
